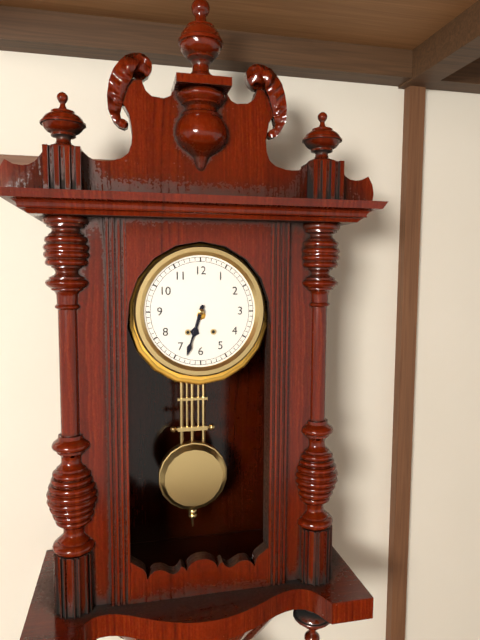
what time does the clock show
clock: 6:33
